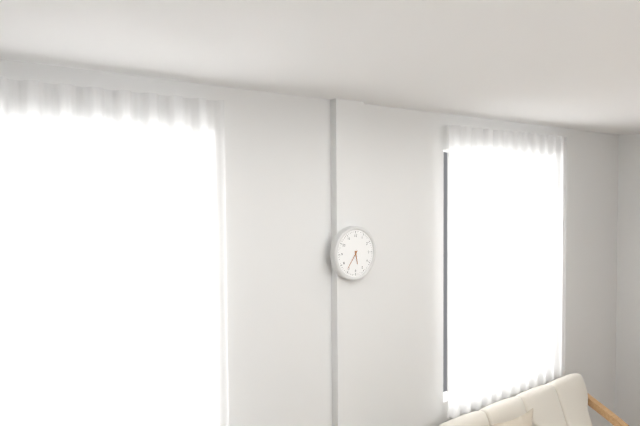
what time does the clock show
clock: 5:36
